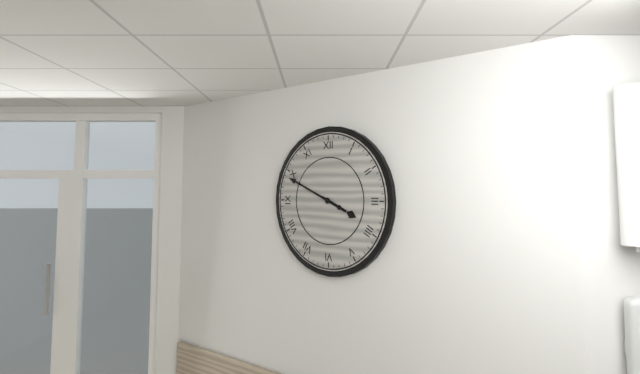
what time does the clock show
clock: 3:49
